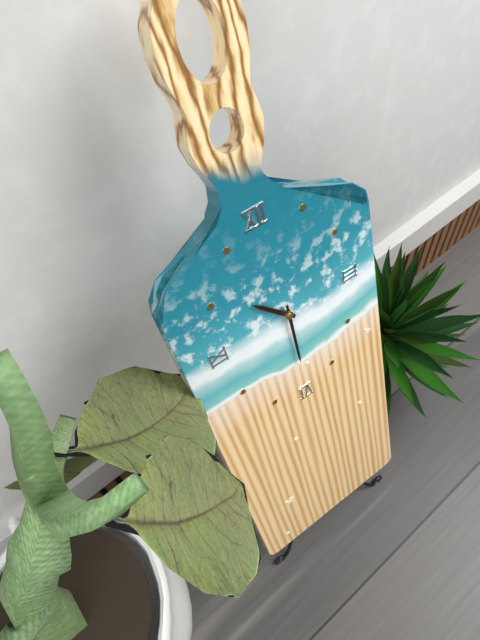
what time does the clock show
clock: 10:30
